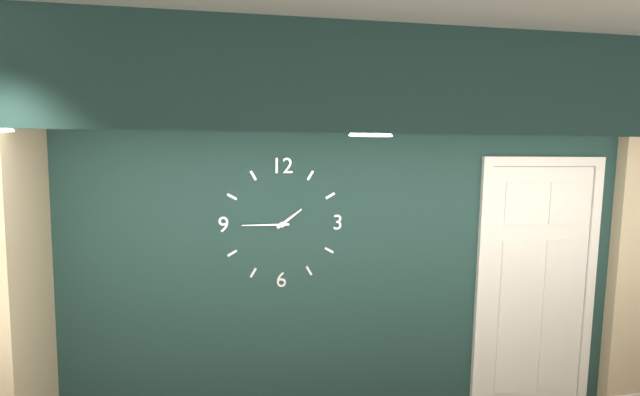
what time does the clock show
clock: 1:45
